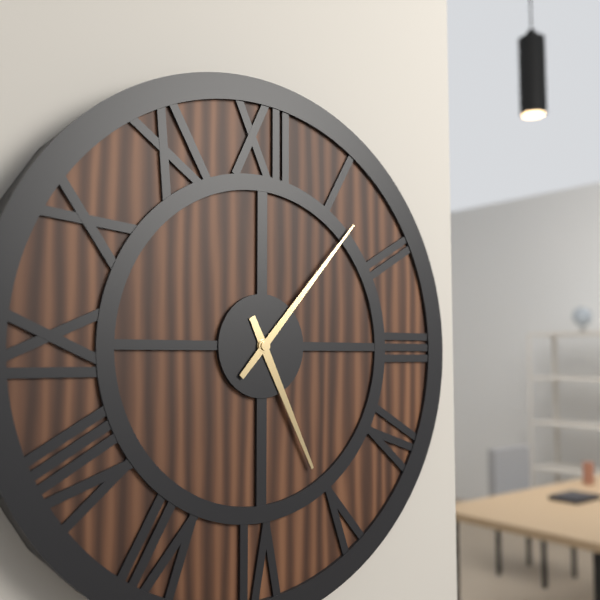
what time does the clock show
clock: 5:07
